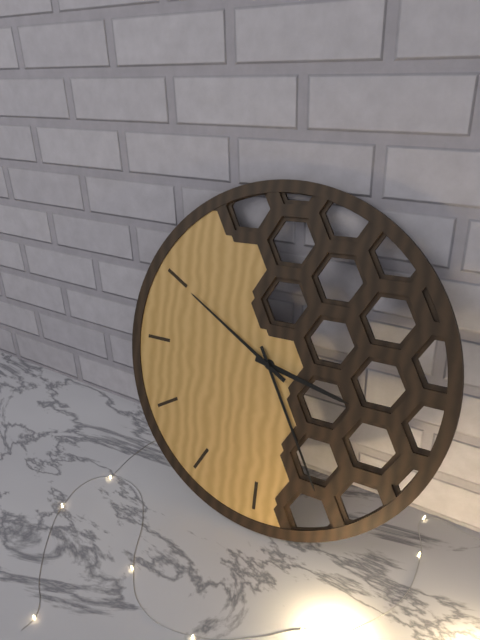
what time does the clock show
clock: 3:25:50
